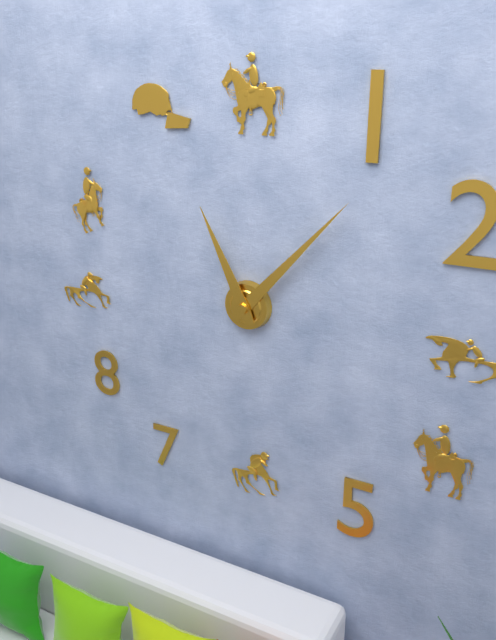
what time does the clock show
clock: 11:07
